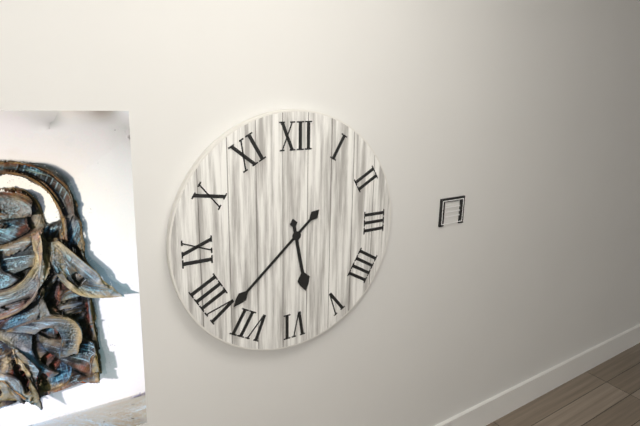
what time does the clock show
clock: 5:38
